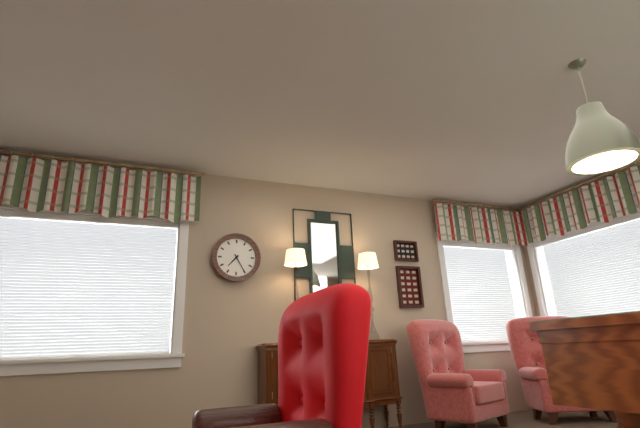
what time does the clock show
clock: 7:25
